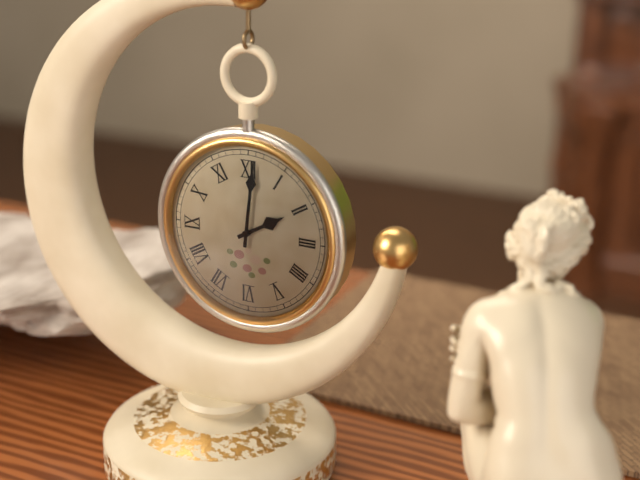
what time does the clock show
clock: 2:01
